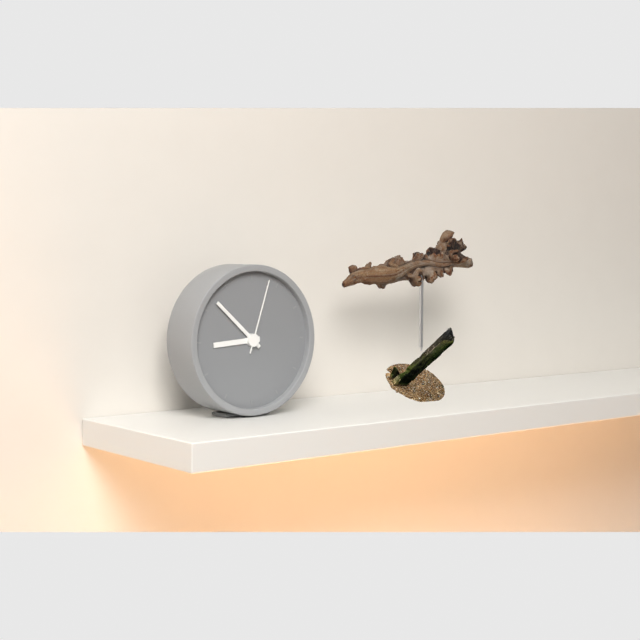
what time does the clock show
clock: 8:52:03
